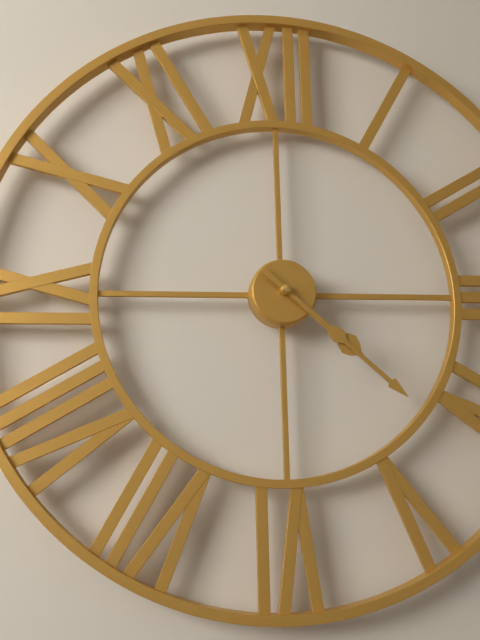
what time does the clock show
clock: 4:22
